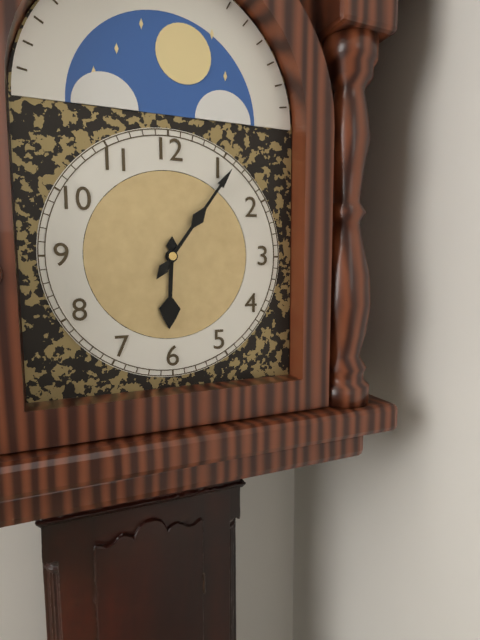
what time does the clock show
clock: 6:06
